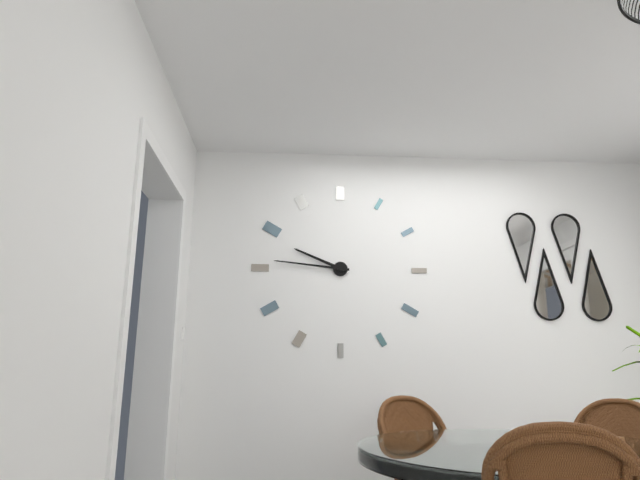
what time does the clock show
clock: 9:46
